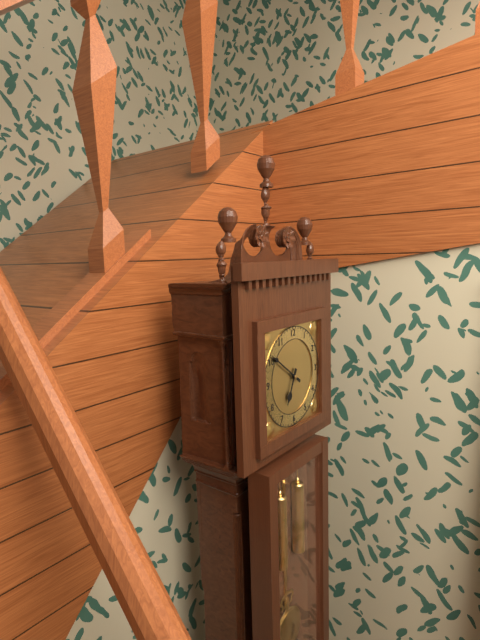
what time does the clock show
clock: 6:51
